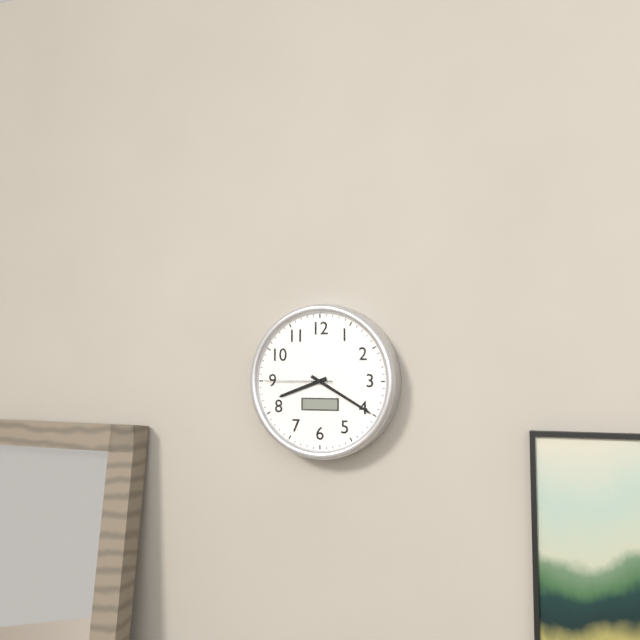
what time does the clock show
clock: 8:20:45
